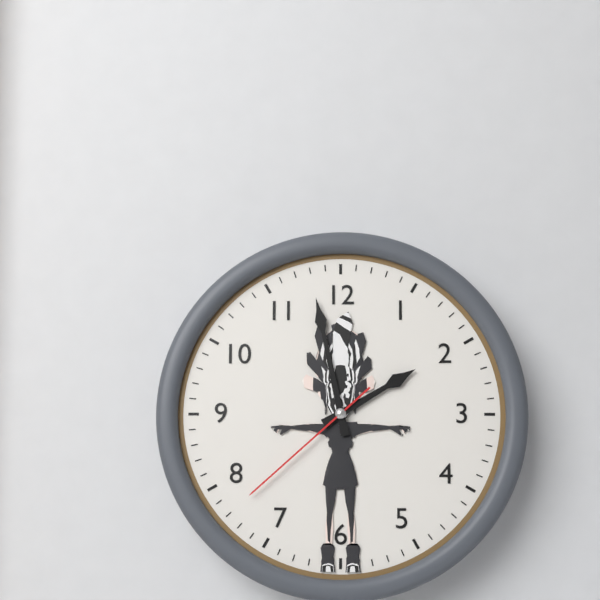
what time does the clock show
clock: 1:58:38
